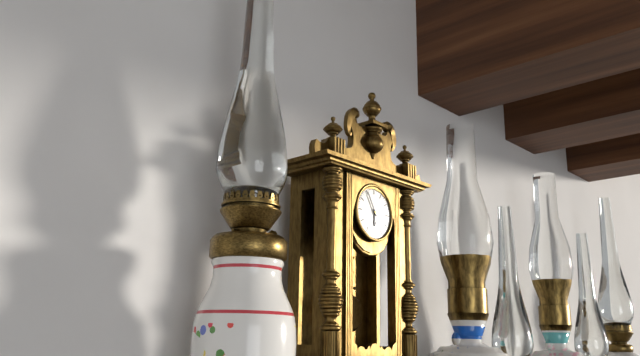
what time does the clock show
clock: 5:55
